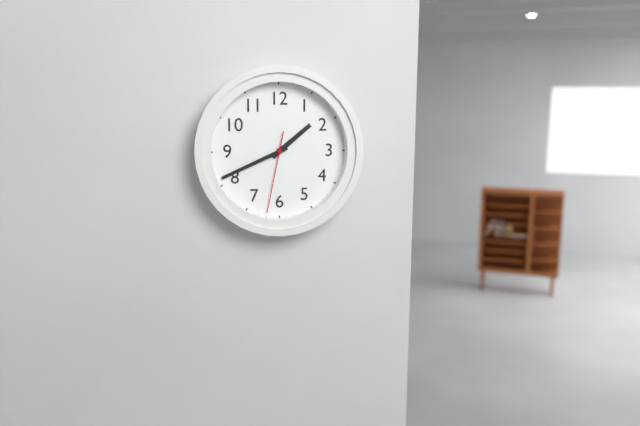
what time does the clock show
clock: 1:41:32
